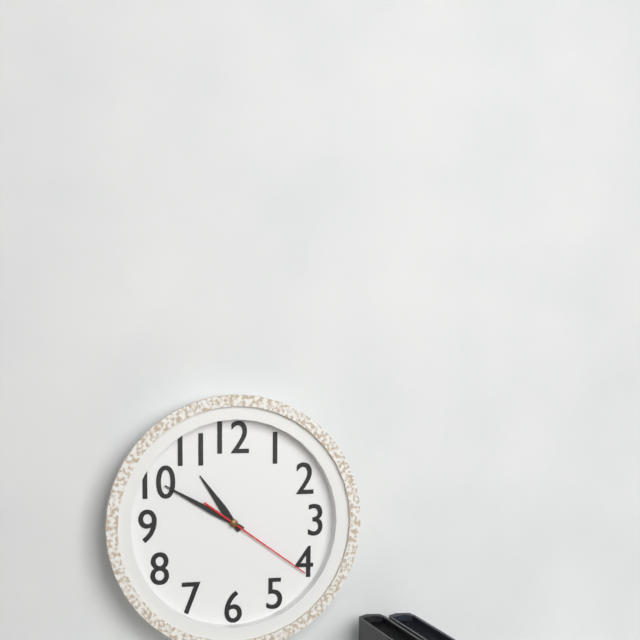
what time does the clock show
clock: 10:50:21
